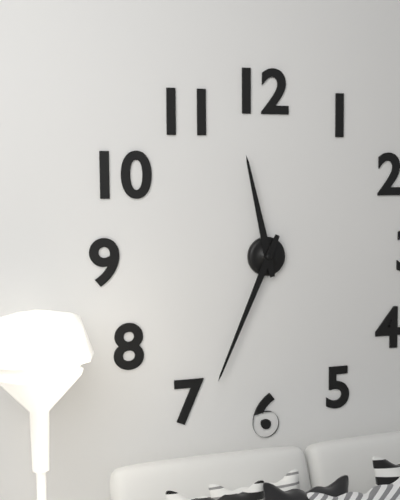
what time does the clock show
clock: 11:34
